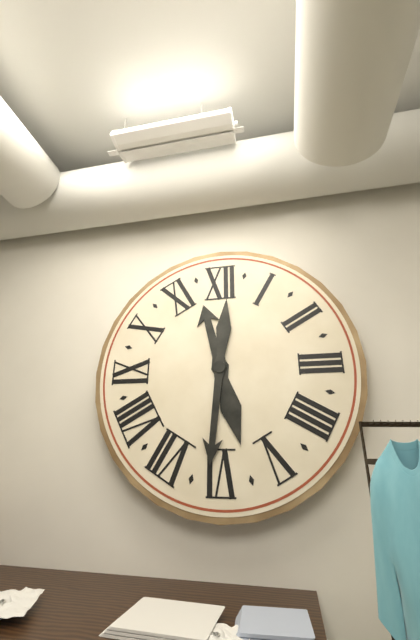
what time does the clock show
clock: 11:31
